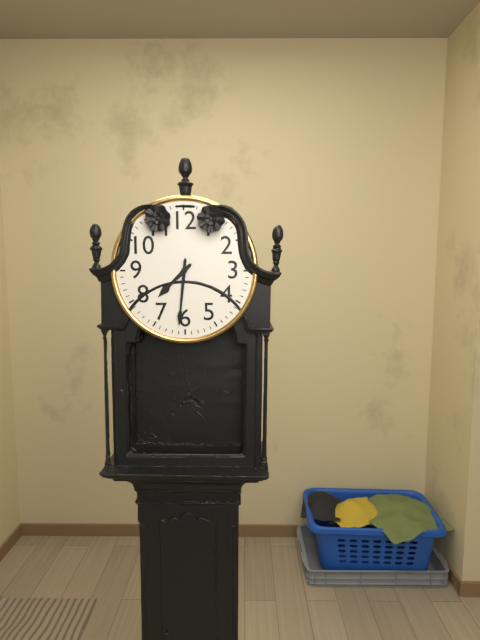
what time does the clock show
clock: 7:31
